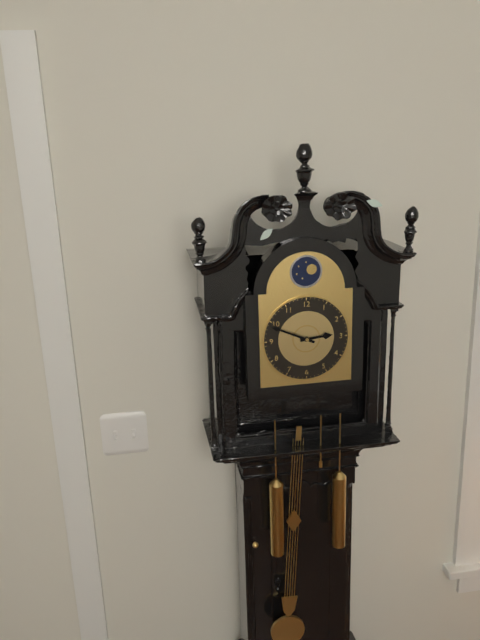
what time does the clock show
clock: 2:49
